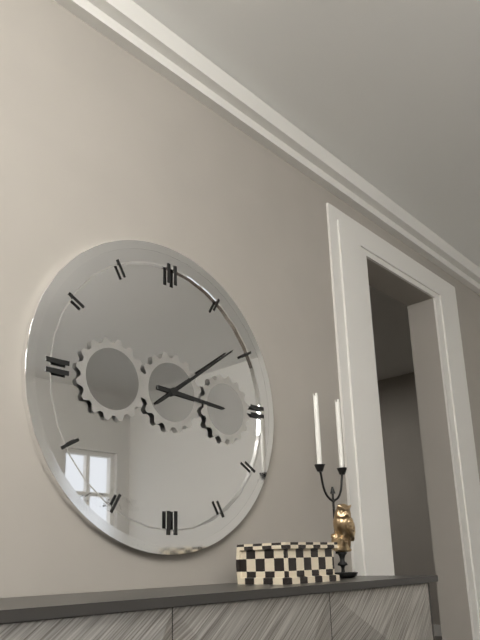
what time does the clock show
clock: 3:09
